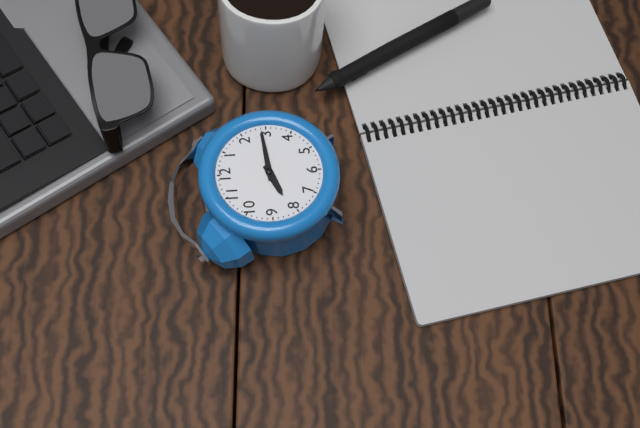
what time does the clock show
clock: 8:14
